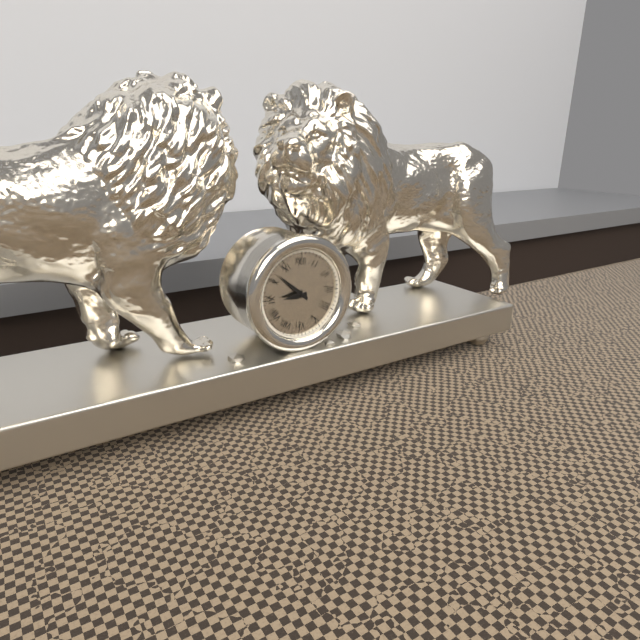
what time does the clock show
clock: 8:52
